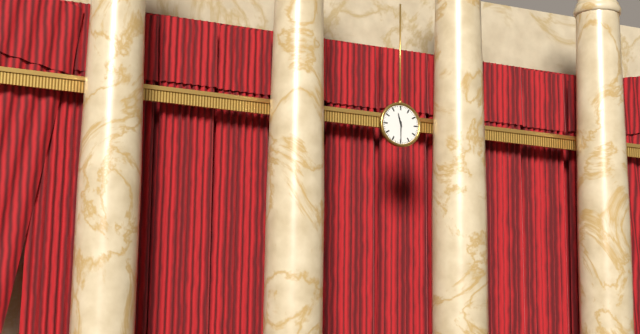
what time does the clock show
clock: 11:30
